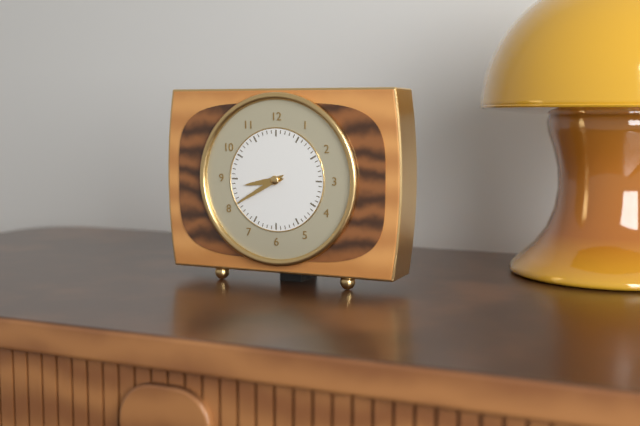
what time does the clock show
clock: 8:40
